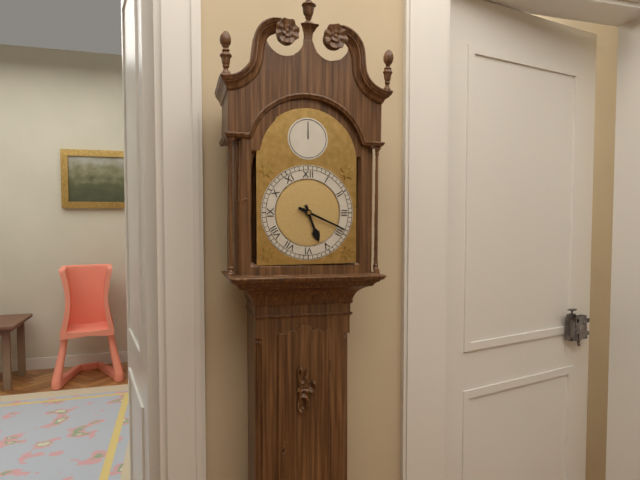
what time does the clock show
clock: 5:19
